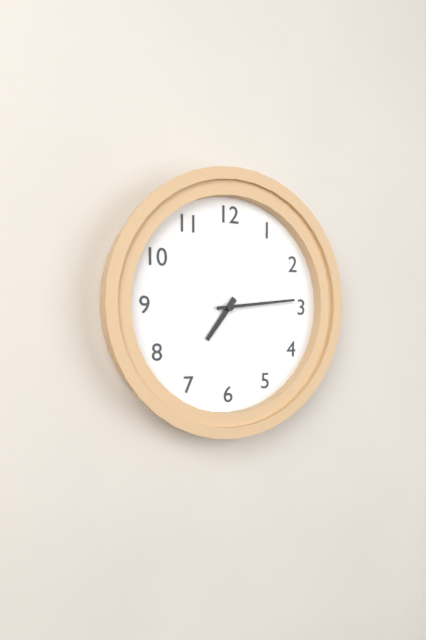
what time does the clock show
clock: 7:14
